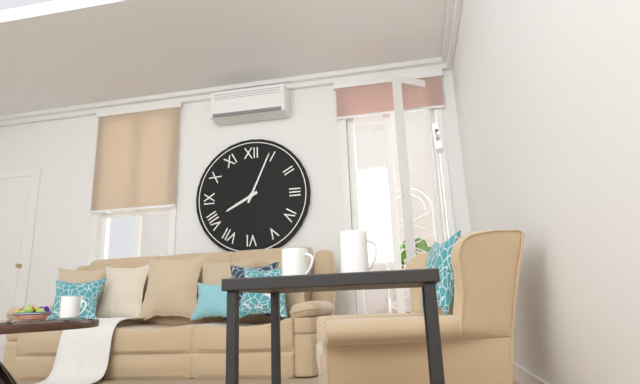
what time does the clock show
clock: 8:04
